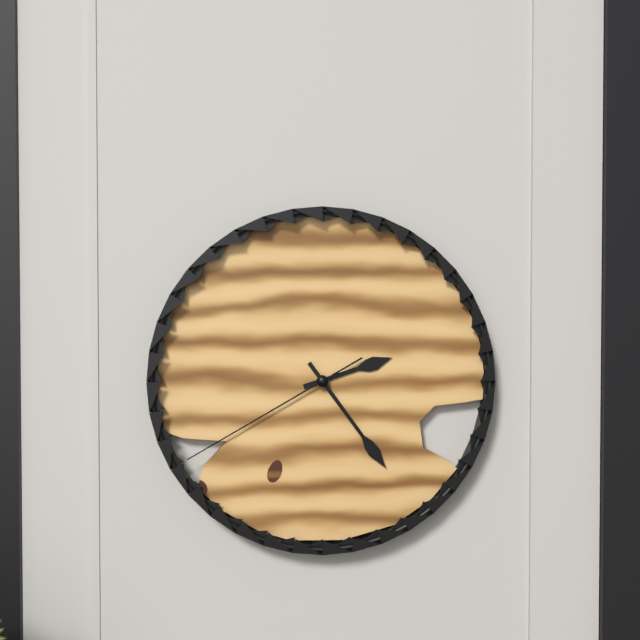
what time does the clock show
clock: 2:24:40
